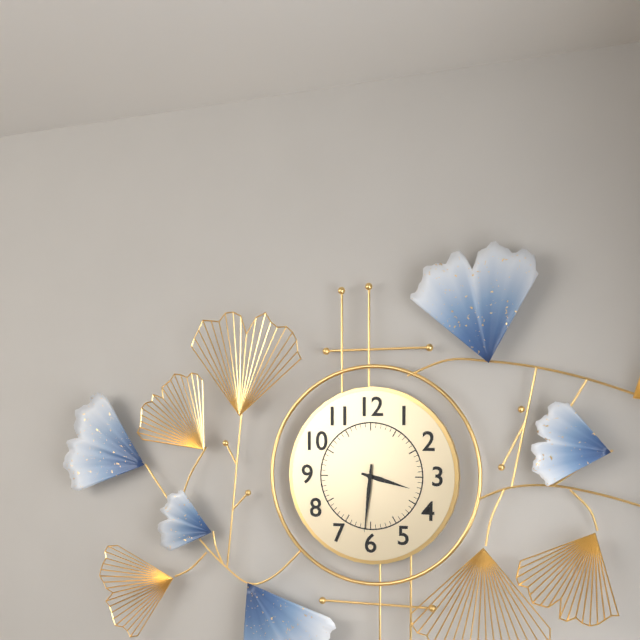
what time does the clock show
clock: 3:31
